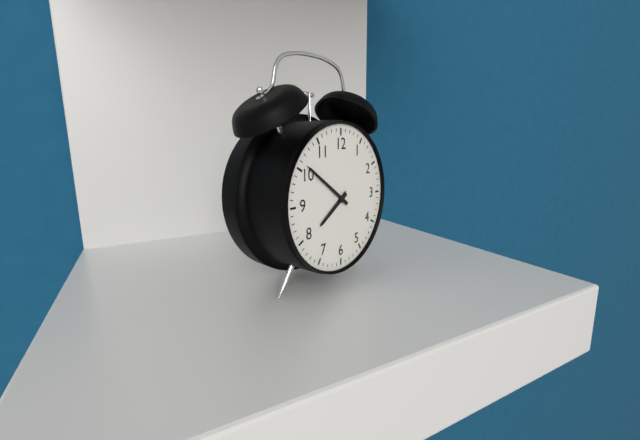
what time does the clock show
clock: 7:51
